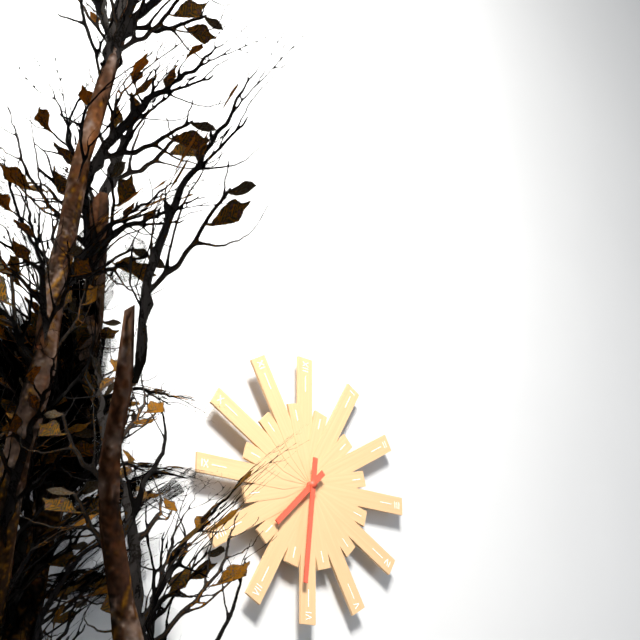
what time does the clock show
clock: 7:31
